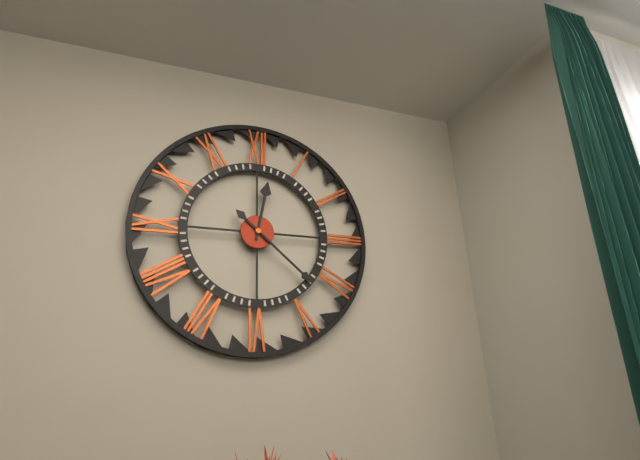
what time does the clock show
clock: 12:22
